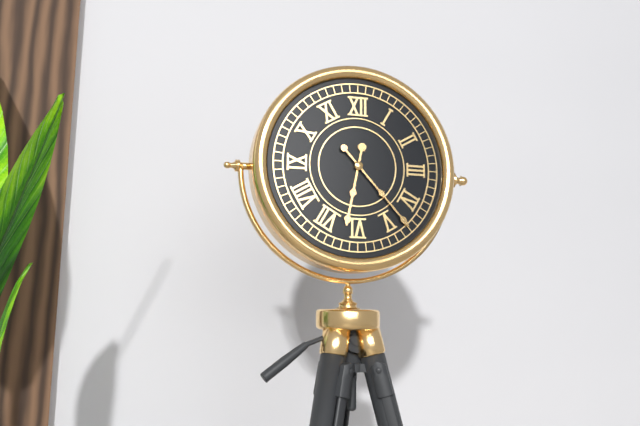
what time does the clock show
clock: 6:23
